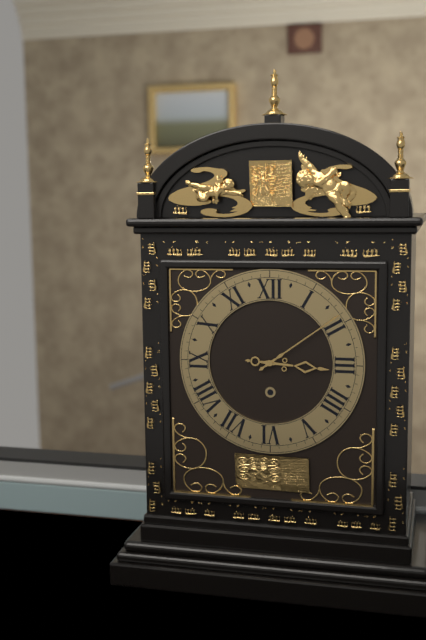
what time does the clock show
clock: 3:09
